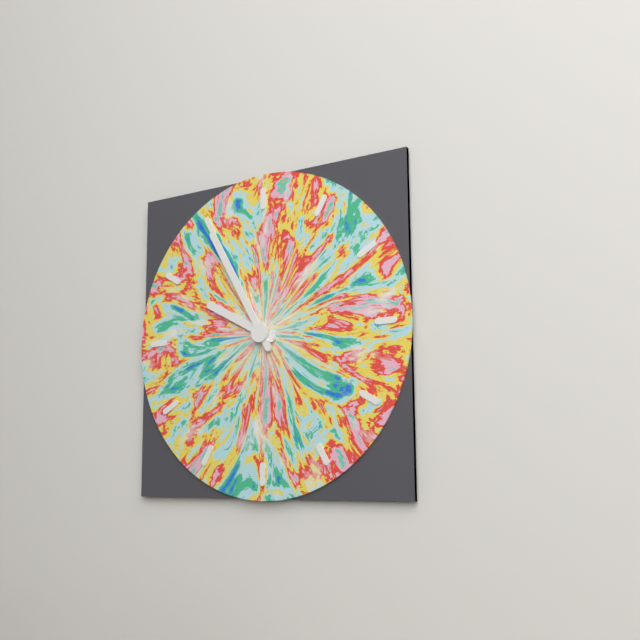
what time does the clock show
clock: 9:55
